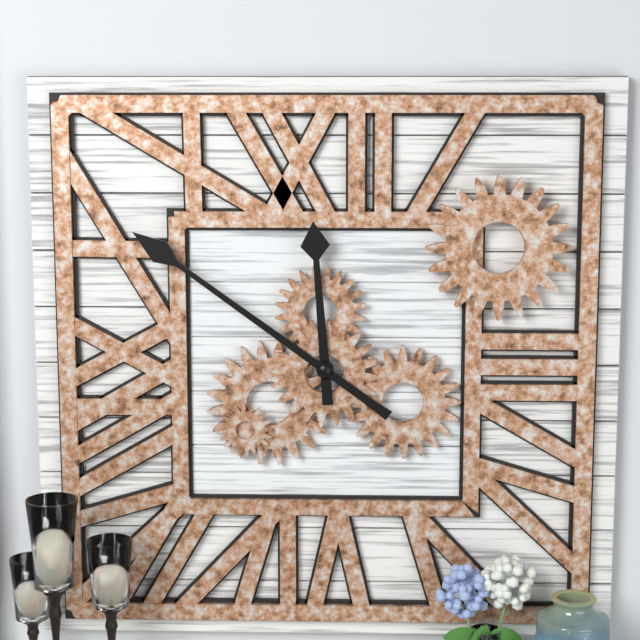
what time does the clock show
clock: 11:51
